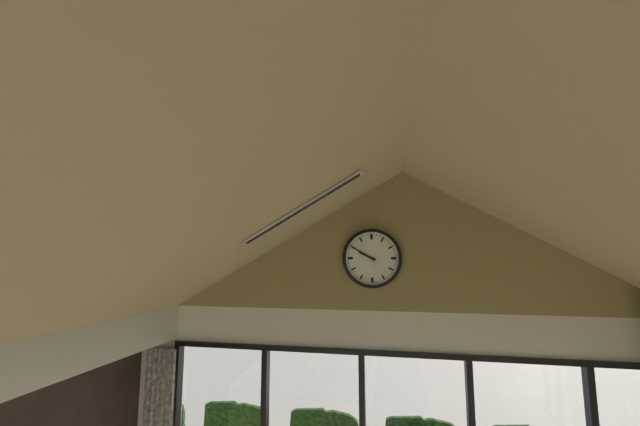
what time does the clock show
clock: 9:50
